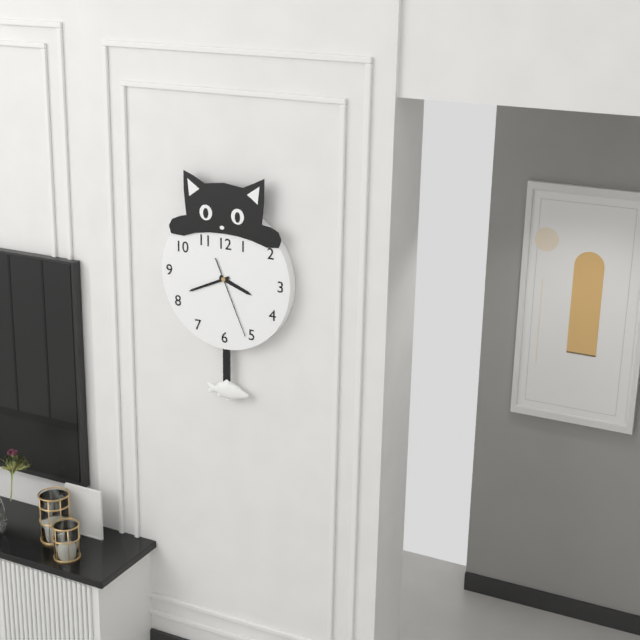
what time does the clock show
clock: 3:41:26
